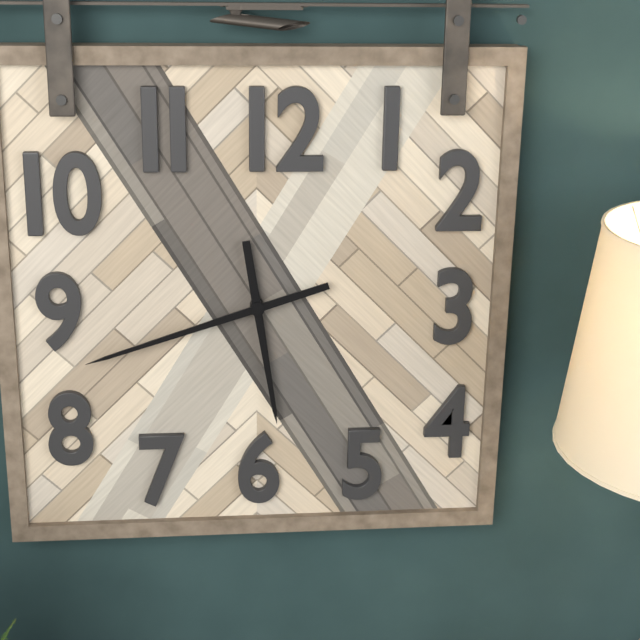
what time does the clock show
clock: 5:42
